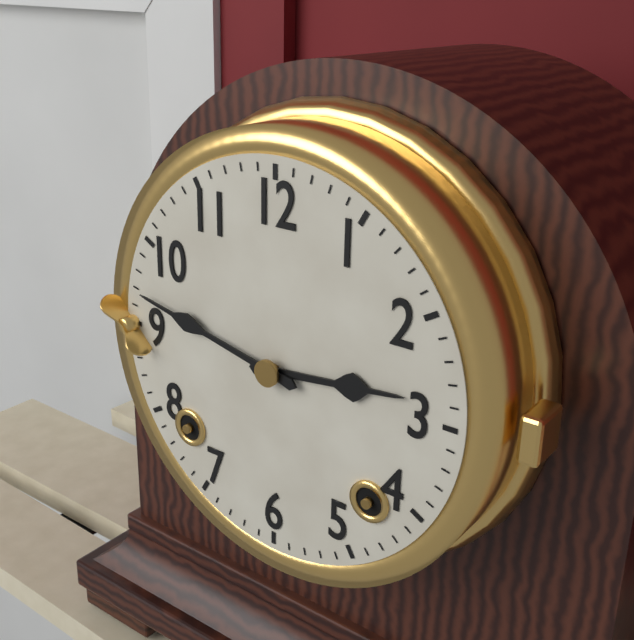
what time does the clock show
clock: 2:47
